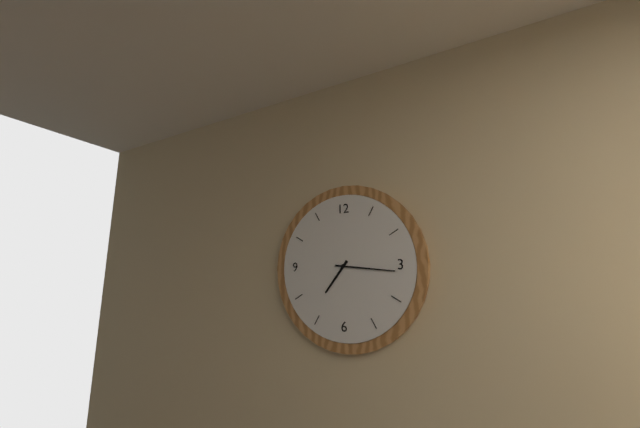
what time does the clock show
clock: 7:16
